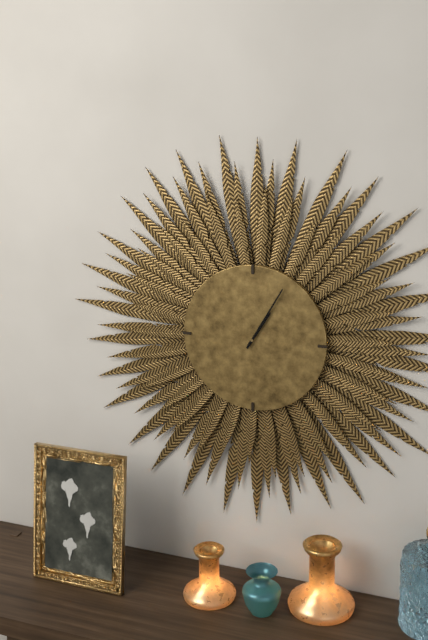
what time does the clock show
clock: 1:05
